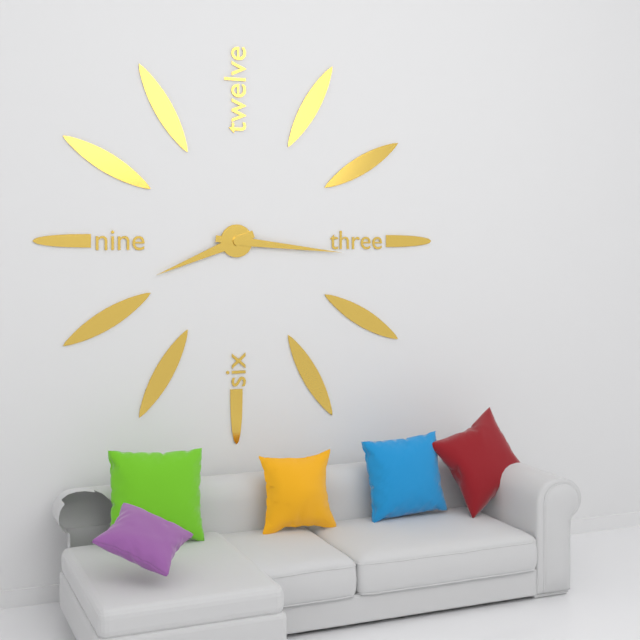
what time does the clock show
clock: 8:16
